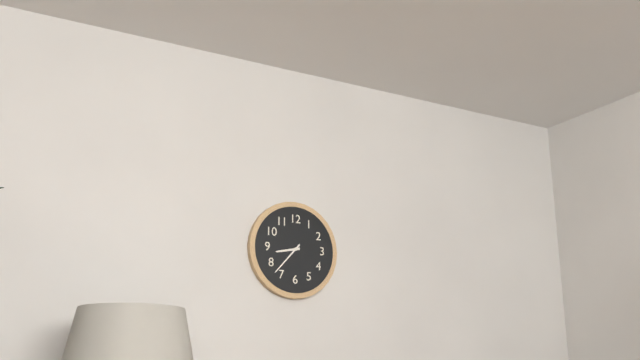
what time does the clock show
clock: 8:37
